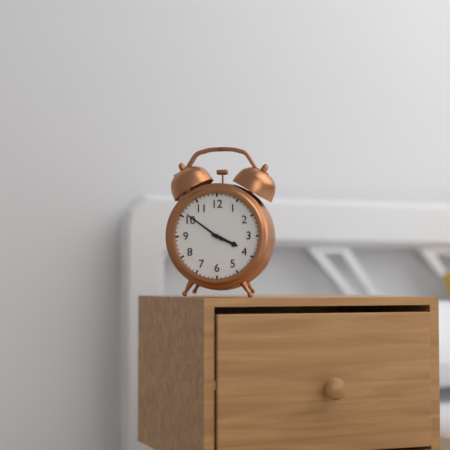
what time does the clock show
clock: 3:51
